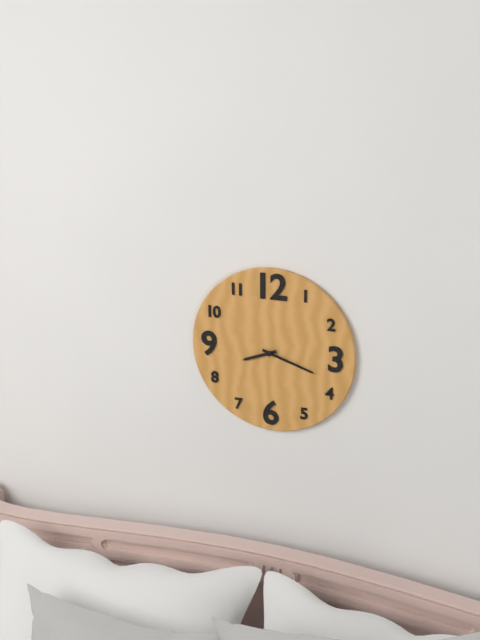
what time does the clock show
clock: 8:18
